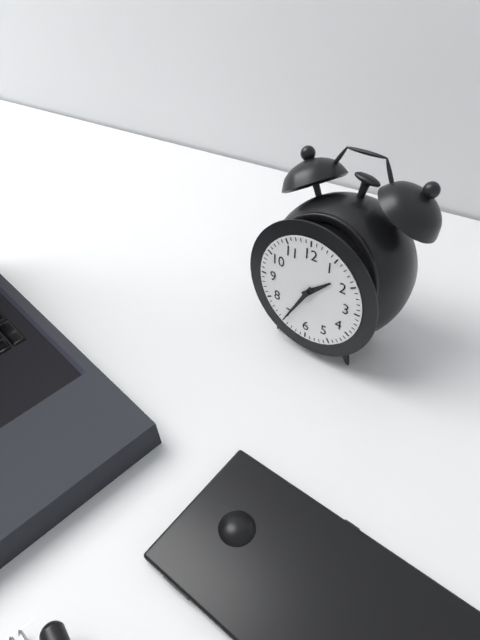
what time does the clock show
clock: 1:35
